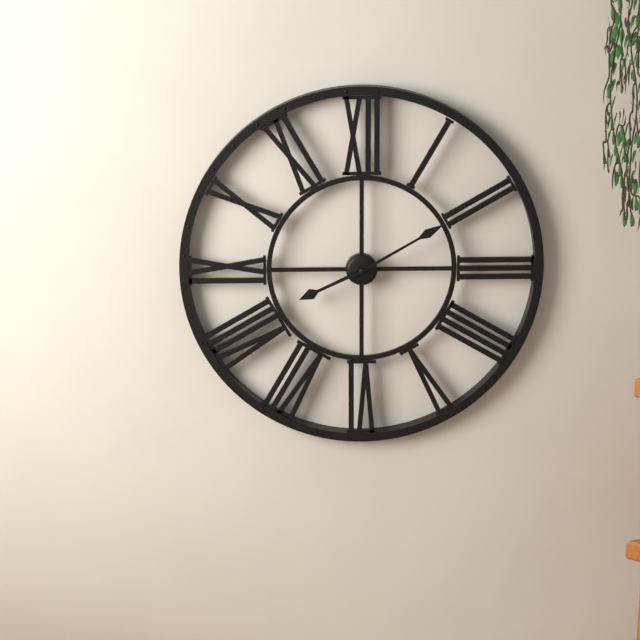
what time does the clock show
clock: 8:10
